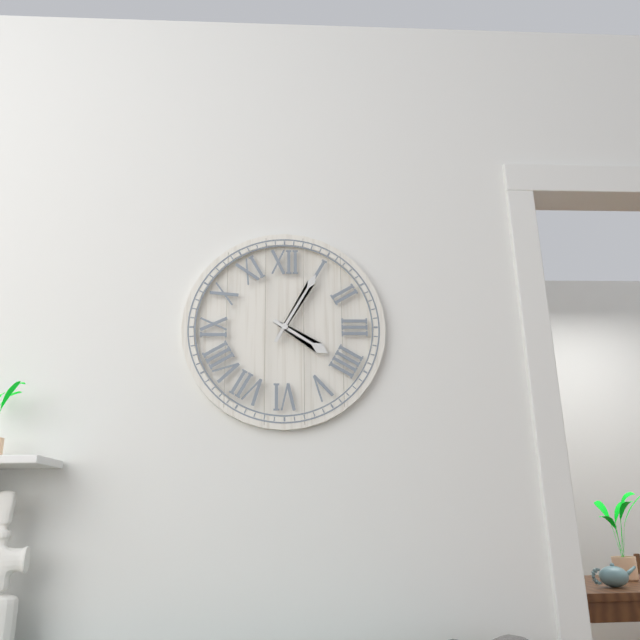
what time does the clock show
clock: 4:05
